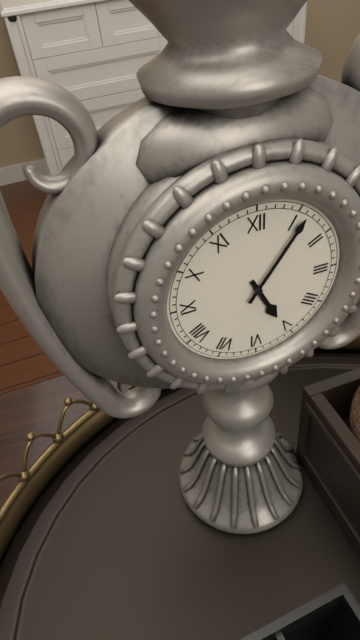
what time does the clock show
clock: 5:06
